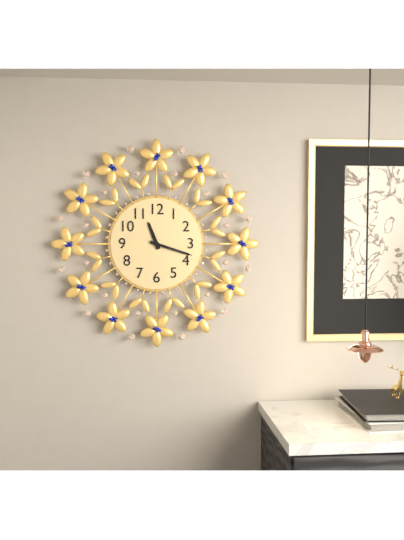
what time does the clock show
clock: 11:18
